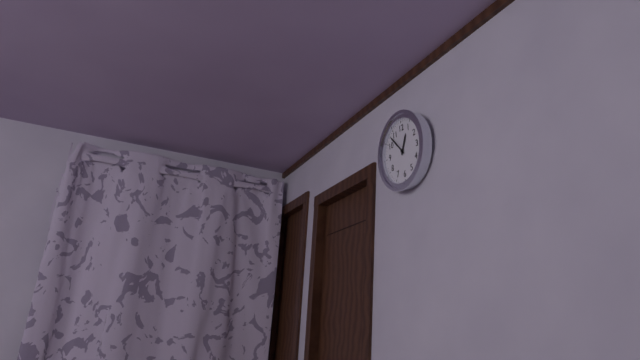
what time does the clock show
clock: 12:53
